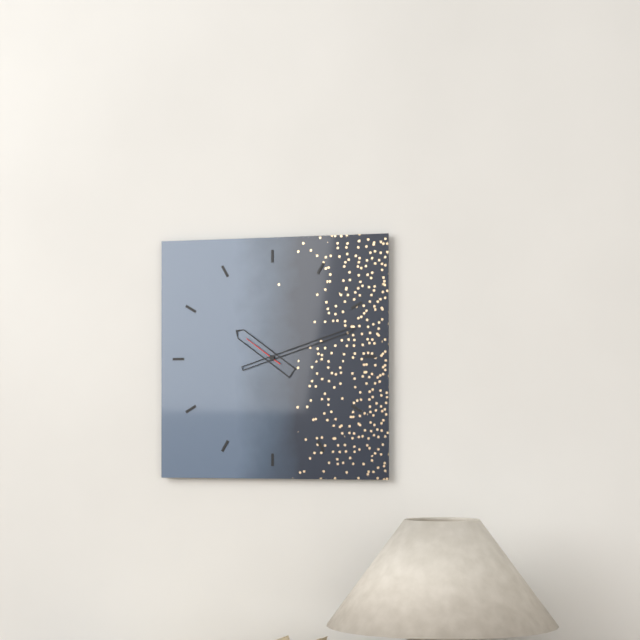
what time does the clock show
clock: 10:12
